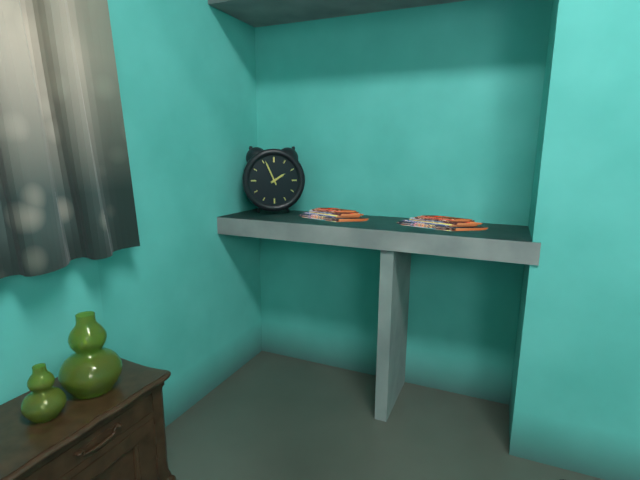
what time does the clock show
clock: 1:56
